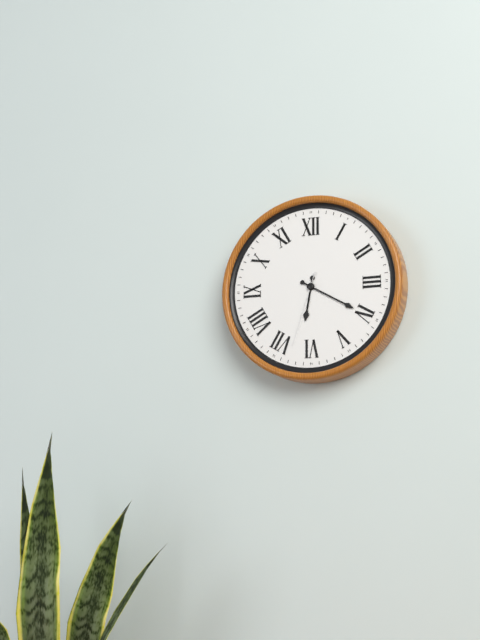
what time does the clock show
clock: 6:20:33
